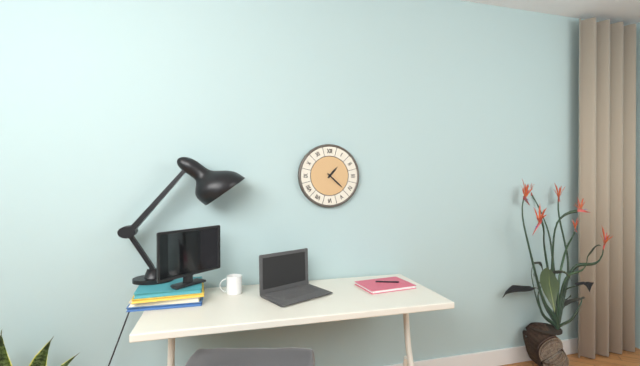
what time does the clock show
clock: 1:22
